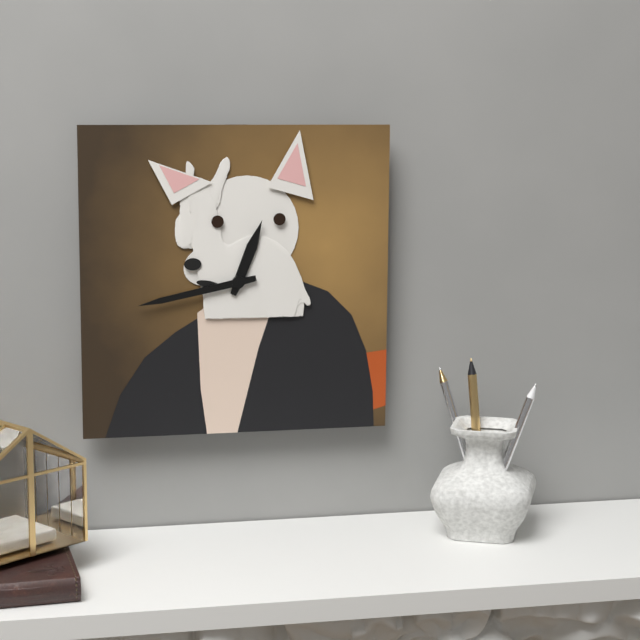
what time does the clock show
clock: 12:43
